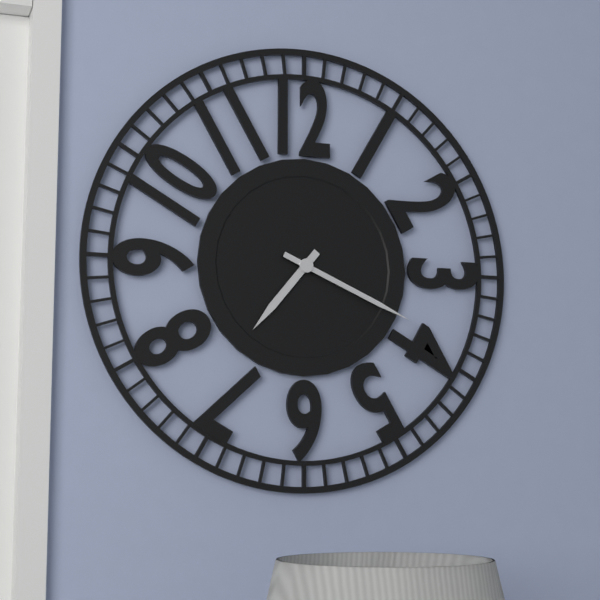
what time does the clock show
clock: 7:19
